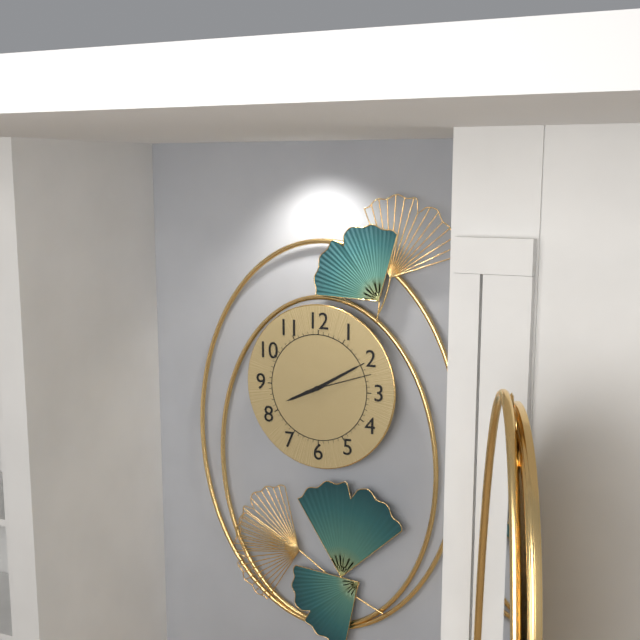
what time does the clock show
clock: 8:10:12
